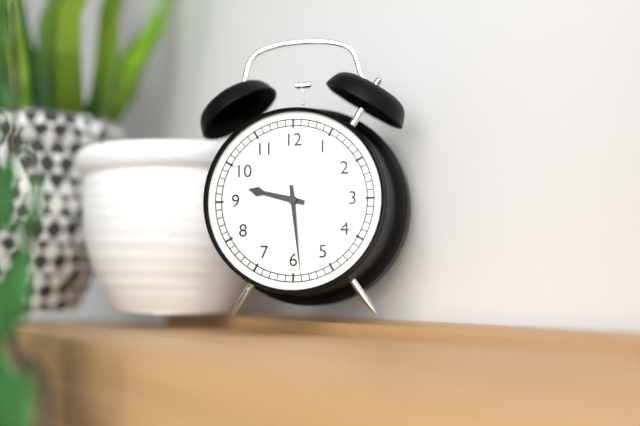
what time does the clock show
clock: 9:29
